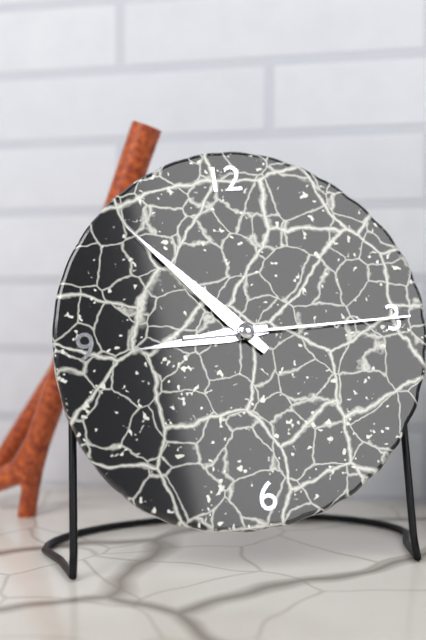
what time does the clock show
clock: 8:53:15
